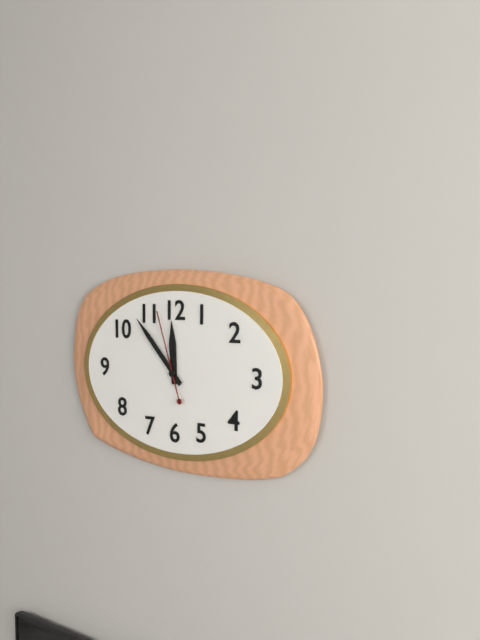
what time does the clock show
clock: 11:53:57
